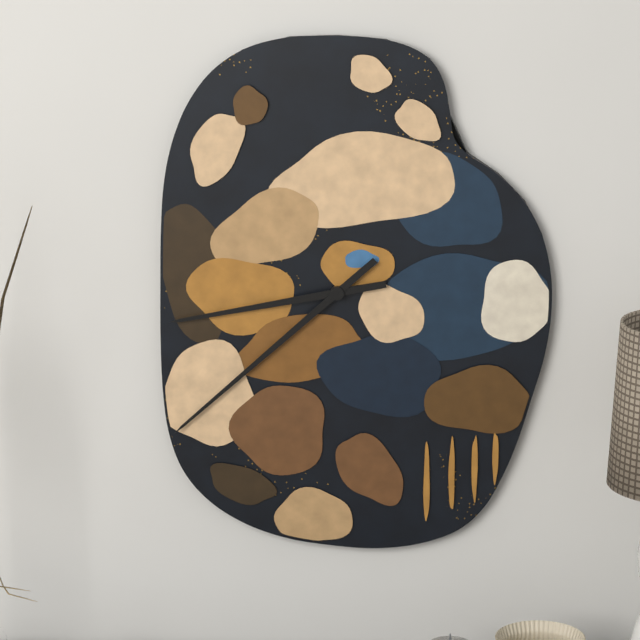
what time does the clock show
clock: 8:38
